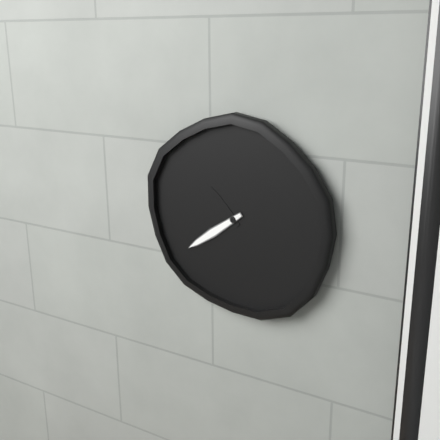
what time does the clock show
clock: 10:39
